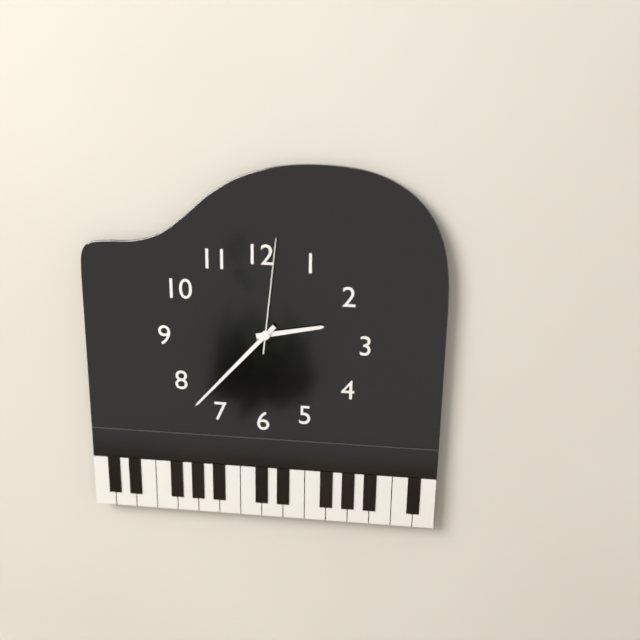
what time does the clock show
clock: 2:37:01
